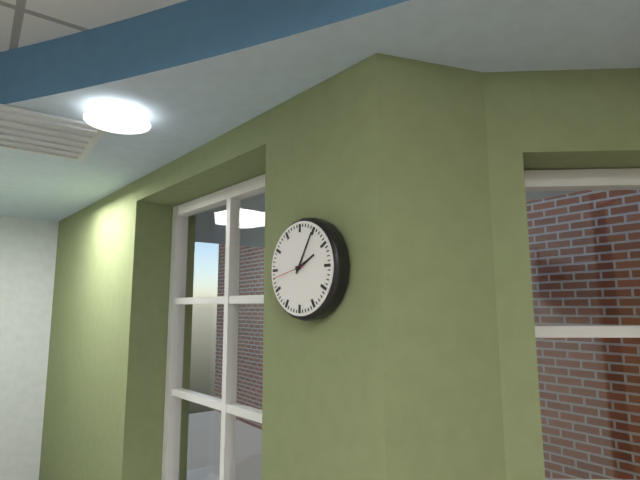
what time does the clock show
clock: 2:05
